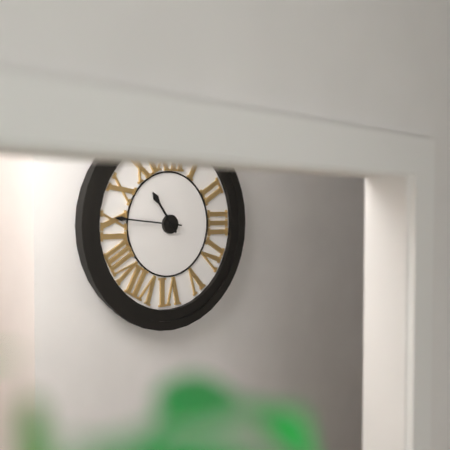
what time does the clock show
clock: 10:46
